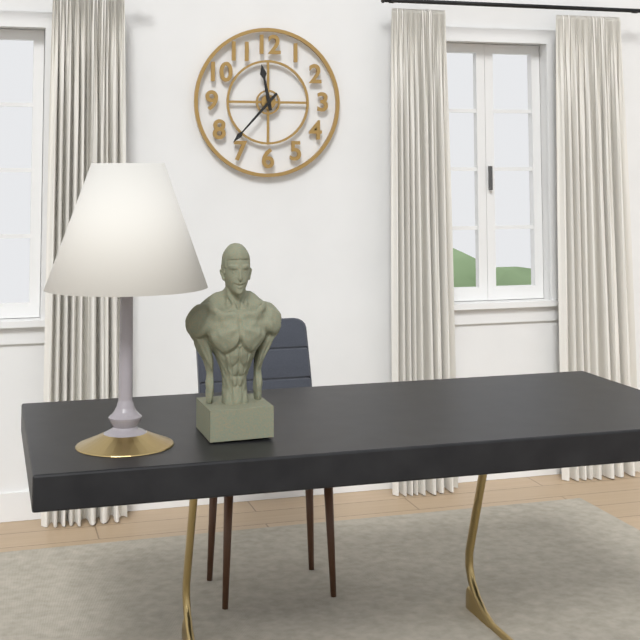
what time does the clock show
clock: 11:37
